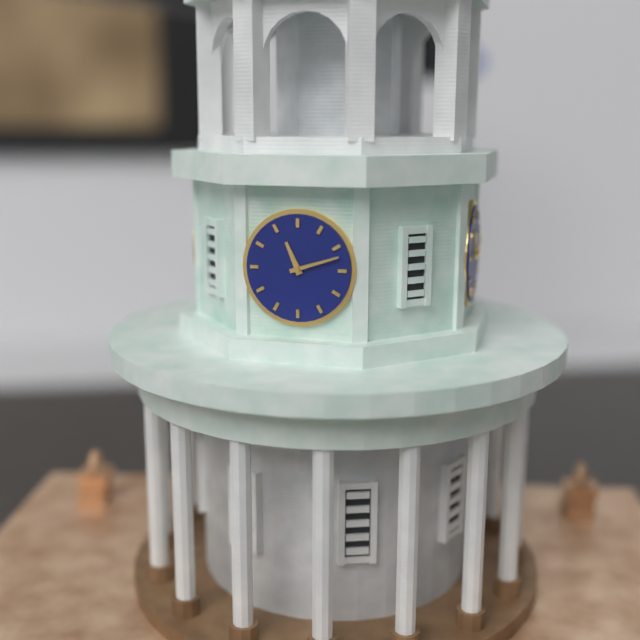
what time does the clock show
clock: 11:12
